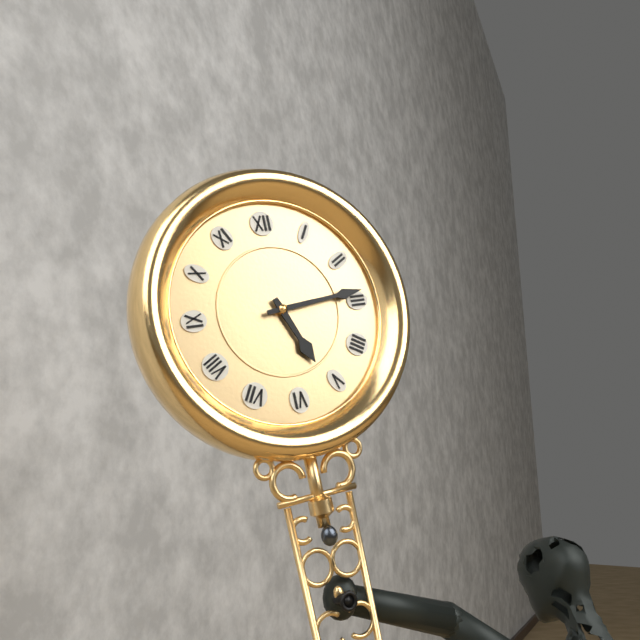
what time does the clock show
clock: 5:14
